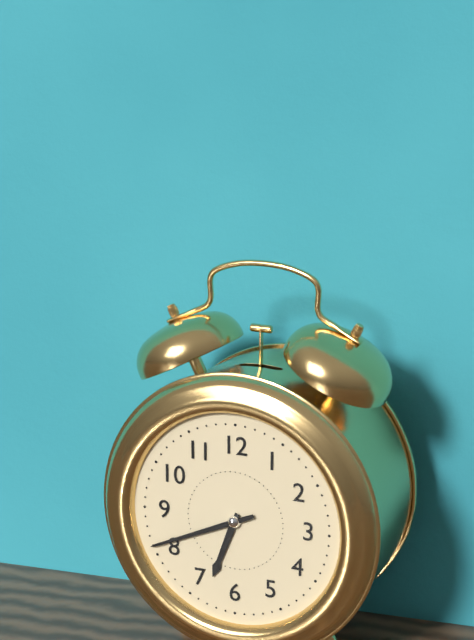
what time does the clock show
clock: 6:41
